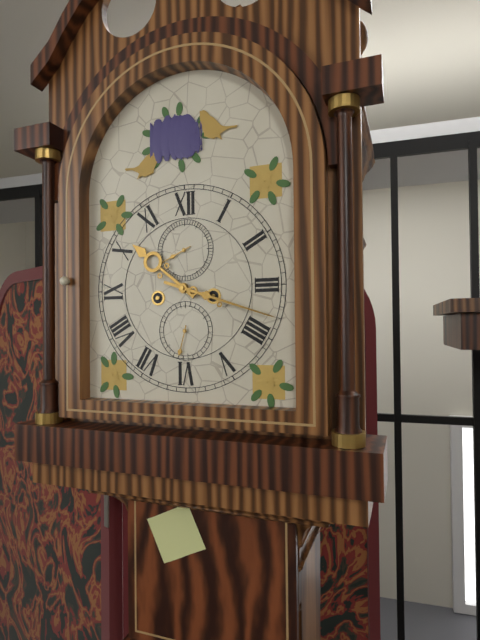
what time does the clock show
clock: 10:18
